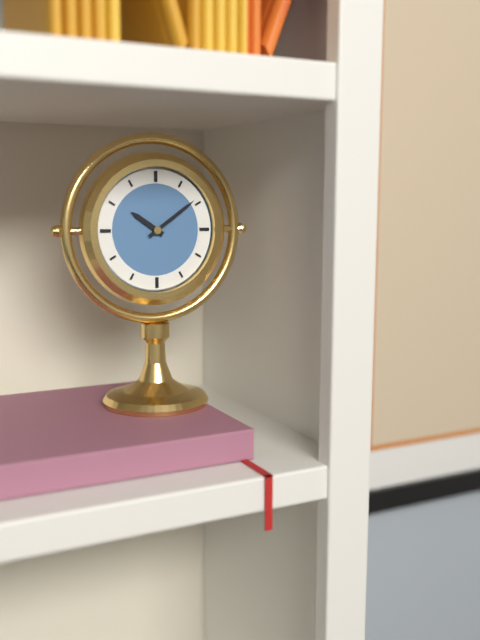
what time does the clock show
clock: 10:09
